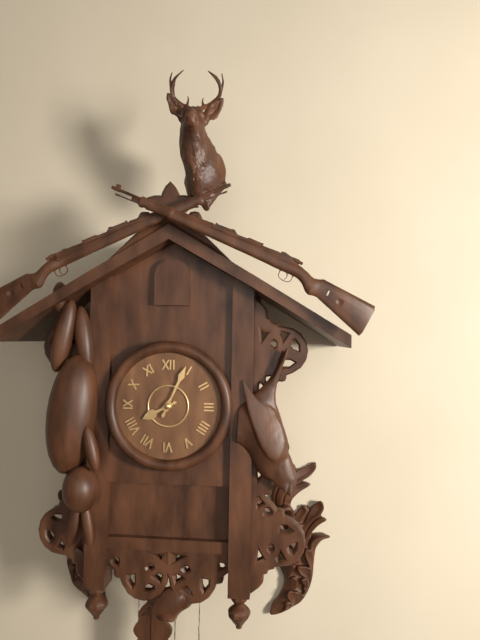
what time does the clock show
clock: 8:04
